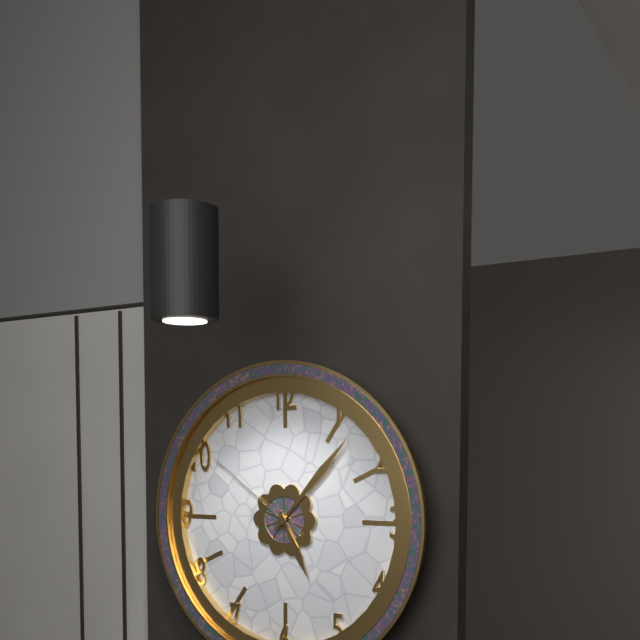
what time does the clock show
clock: 5:07:51
